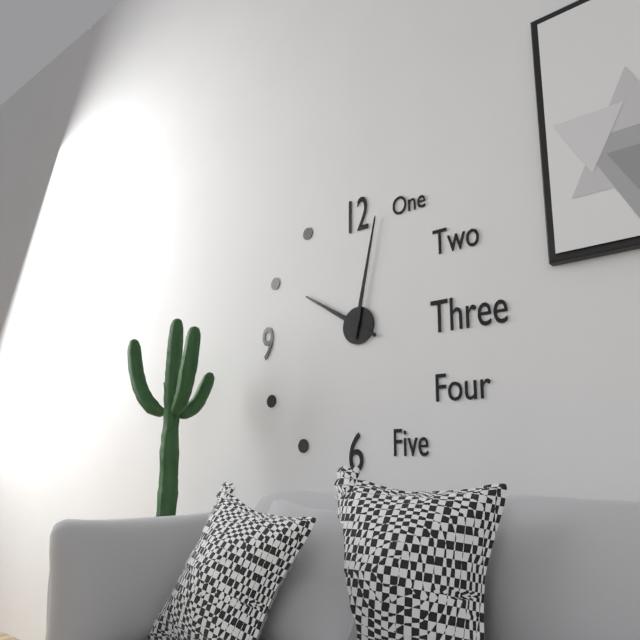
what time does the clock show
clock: 10:02
